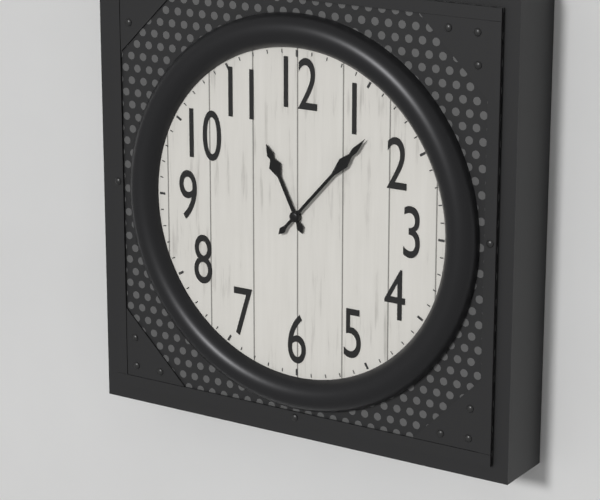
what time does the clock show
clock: 11:07
